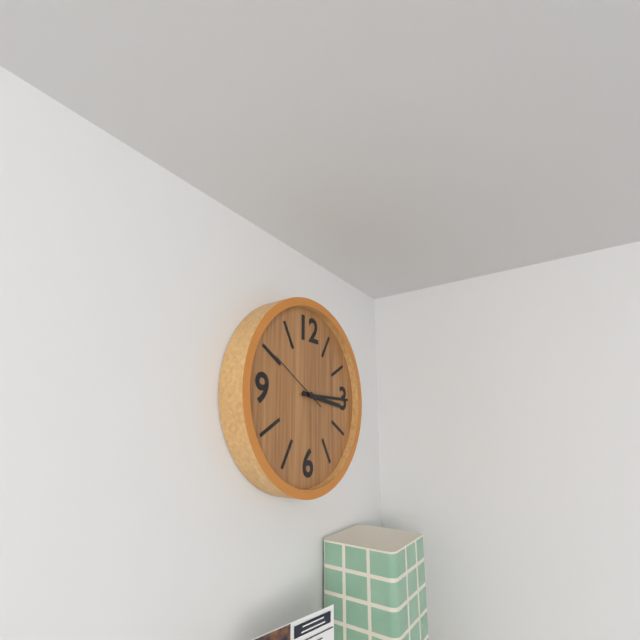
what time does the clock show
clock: 3:15:50
